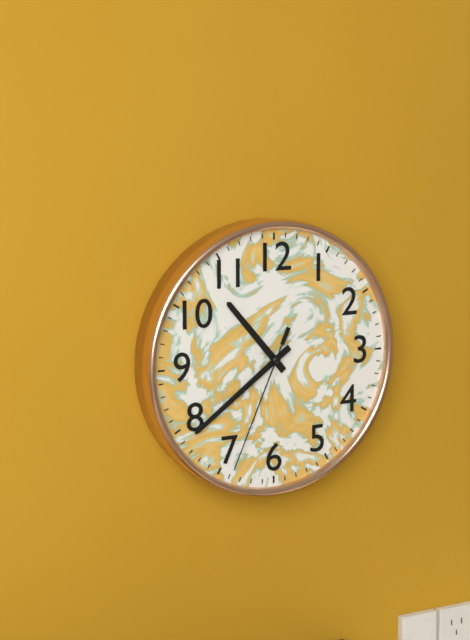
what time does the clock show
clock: 10:39:34
